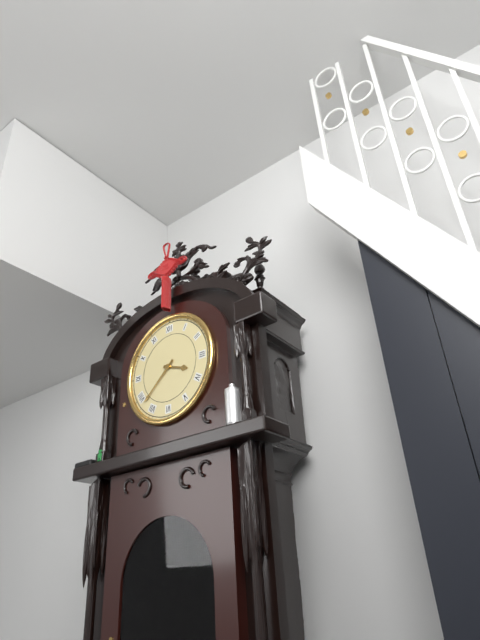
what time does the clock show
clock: 3:38
